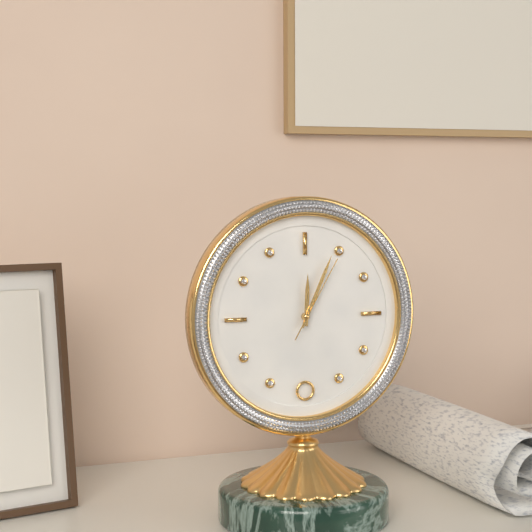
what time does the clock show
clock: 12:04:05
